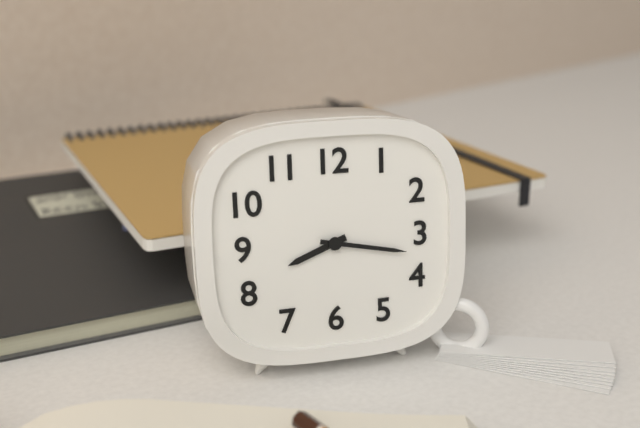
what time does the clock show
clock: 8:17
